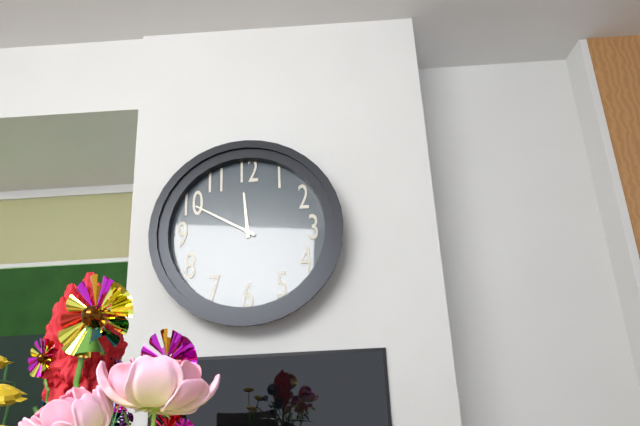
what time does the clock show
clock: 11:50
